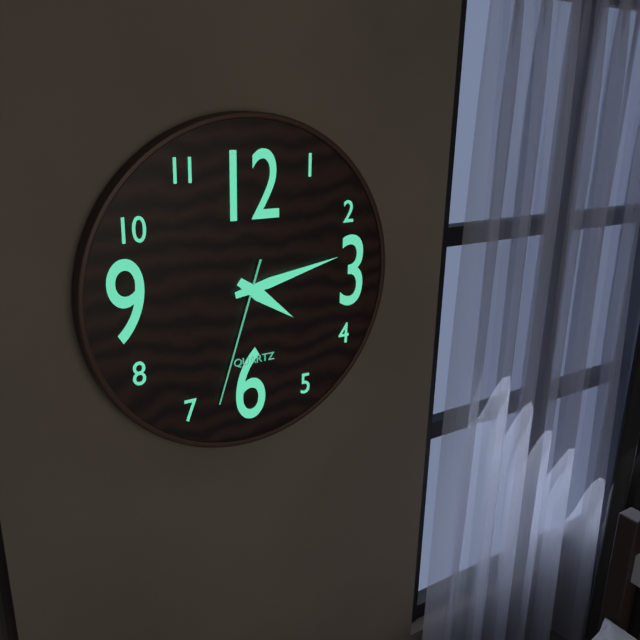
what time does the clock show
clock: 4:13:33
